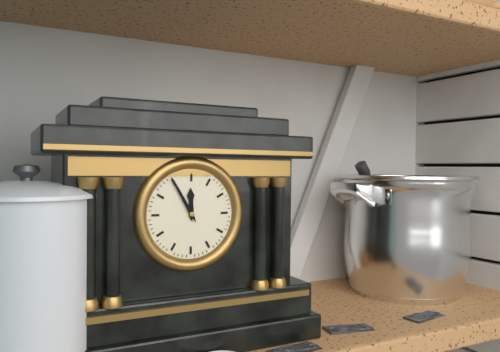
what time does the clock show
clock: 11:55
